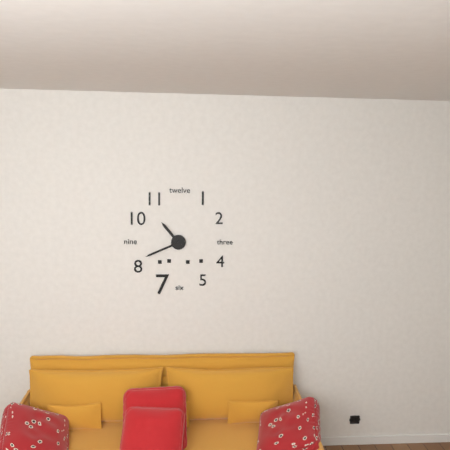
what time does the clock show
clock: 10:41
